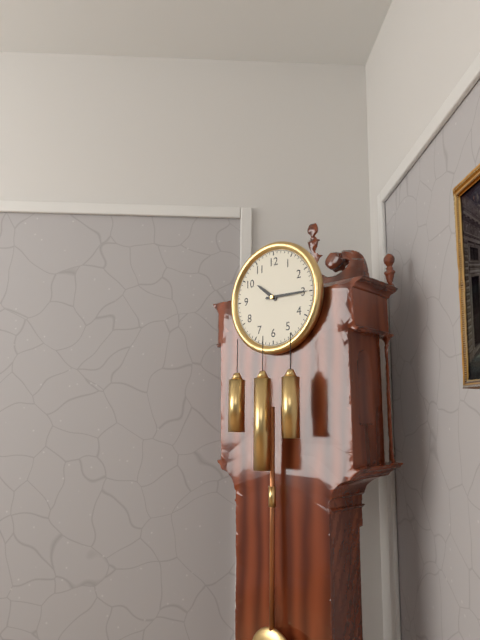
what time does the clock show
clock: 10:15
